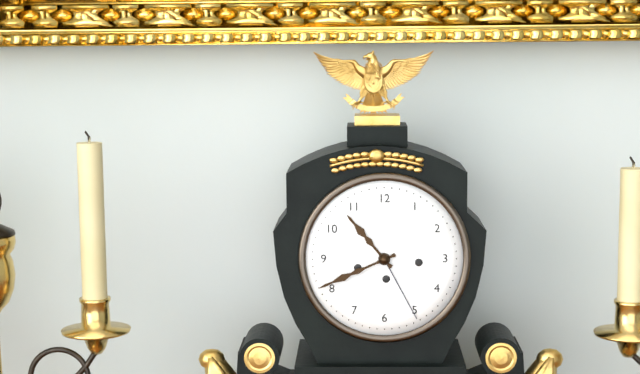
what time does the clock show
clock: 10:41
